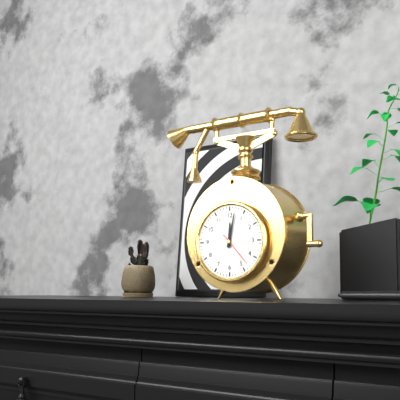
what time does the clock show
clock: 12:02
